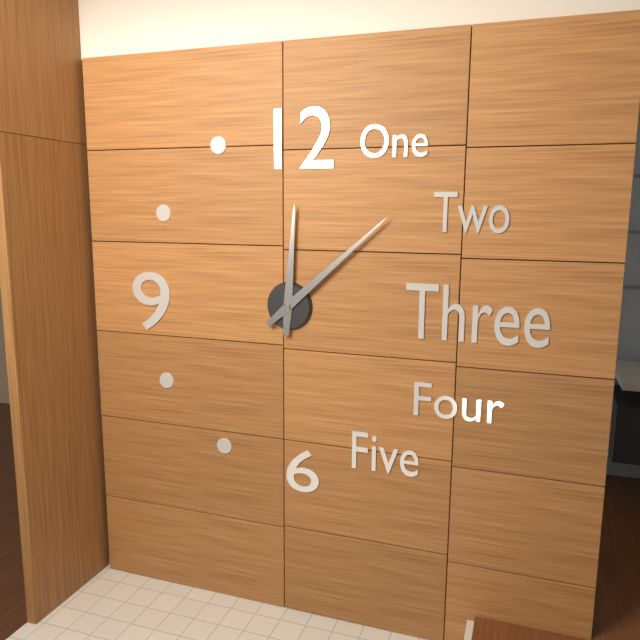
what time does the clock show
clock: 12:08
